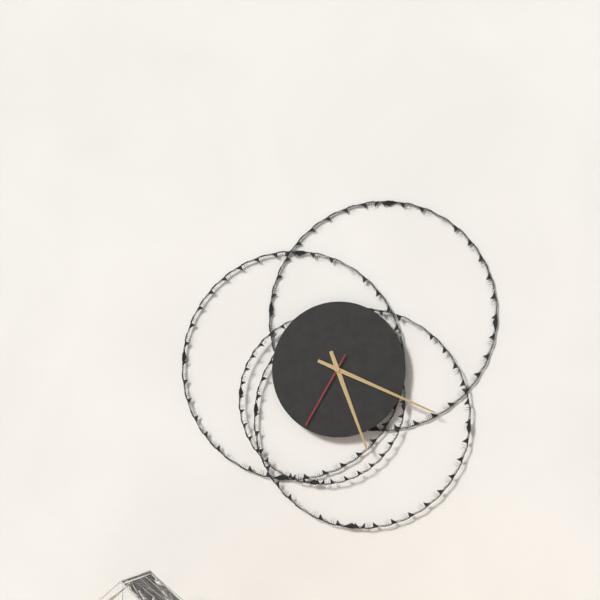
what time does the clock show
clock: 5:19:35
